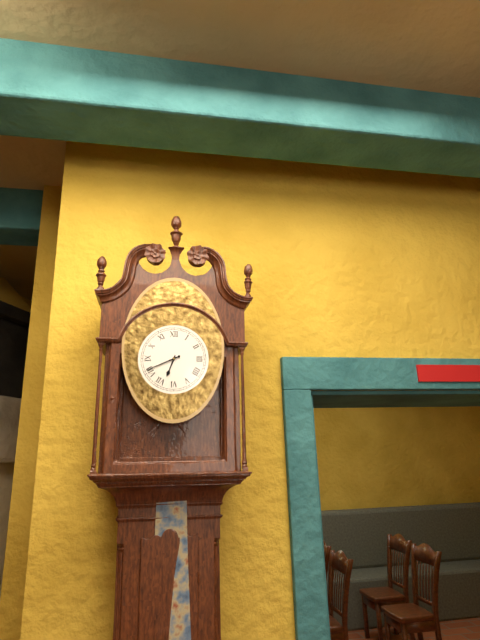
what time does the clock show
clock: 6:41
